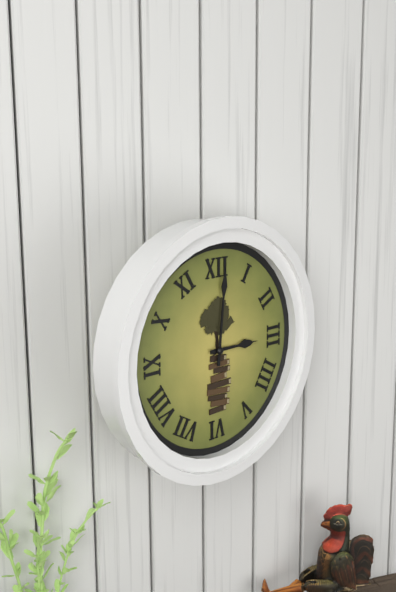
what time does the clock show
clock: 3:01
